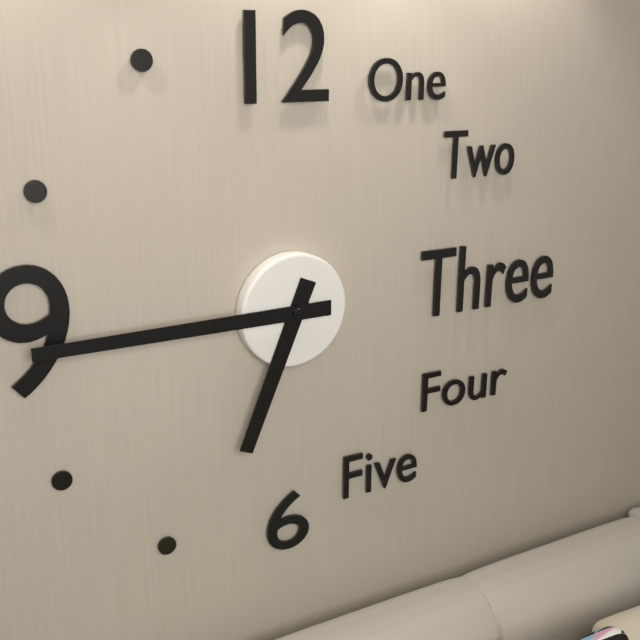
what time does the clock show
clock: 6:45
